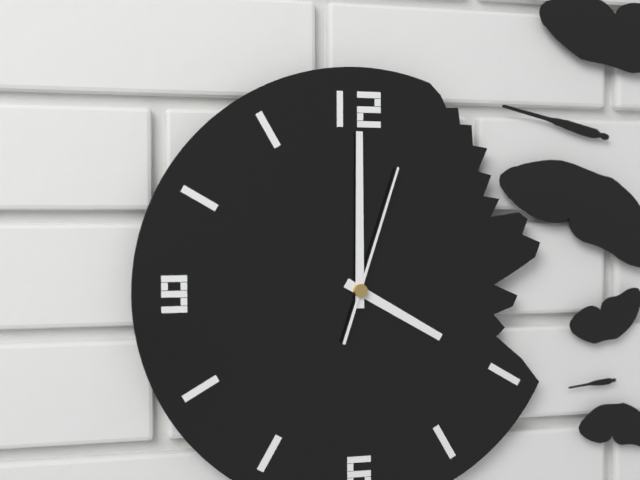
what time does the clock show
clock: 4:00:03
